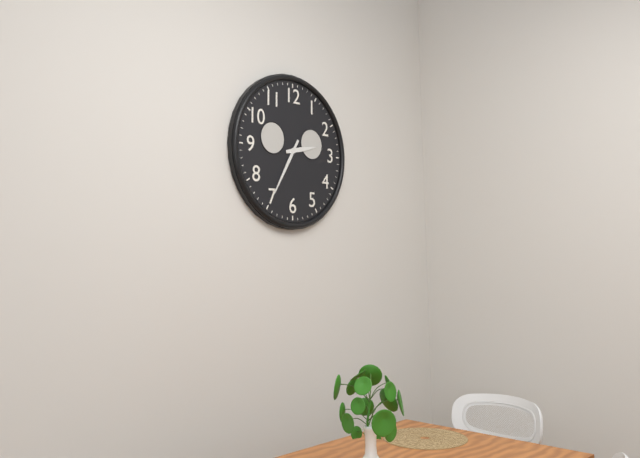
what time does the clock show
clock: 2:35
